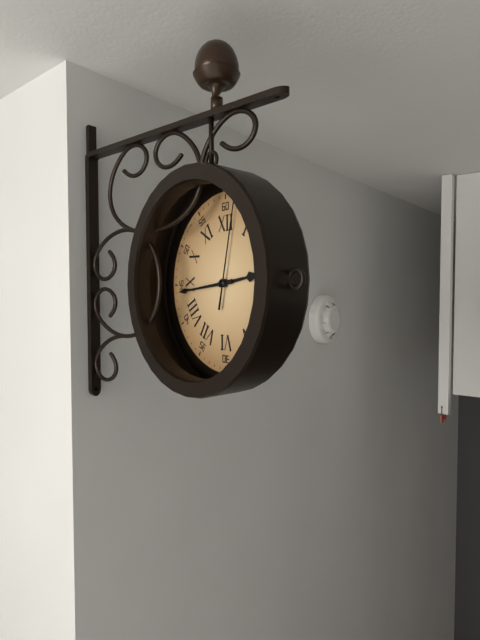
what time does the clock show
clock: 2:44:02
